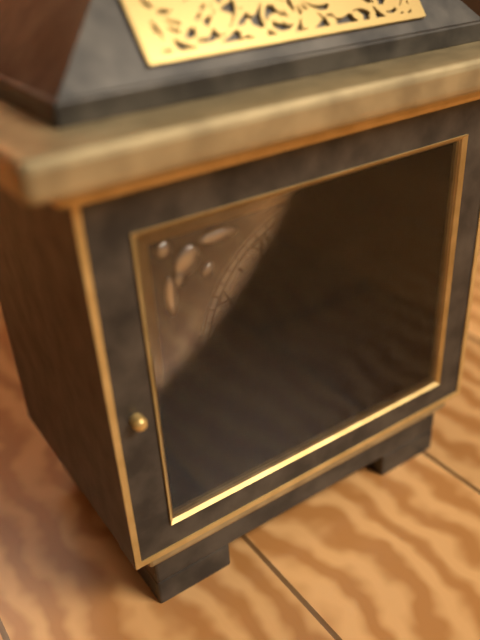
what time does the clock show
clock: 12:29
